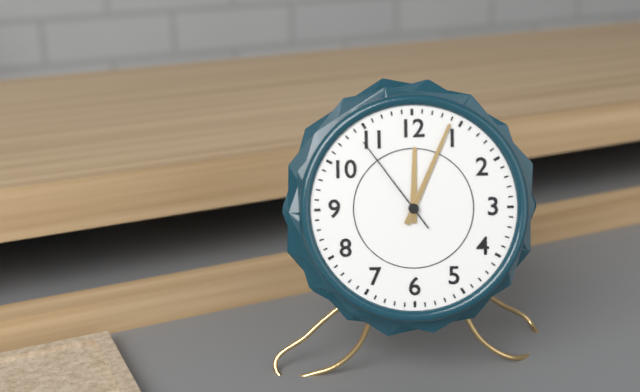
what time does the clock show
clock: 12:04:54
